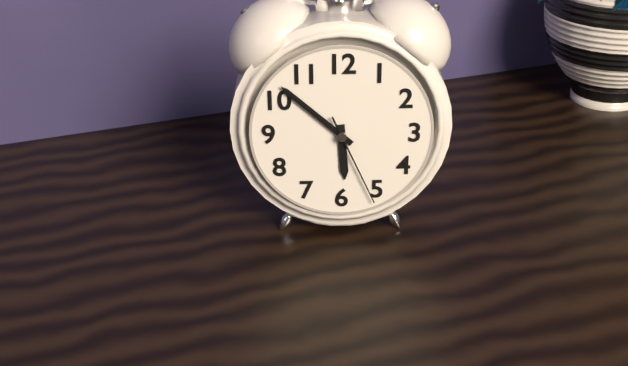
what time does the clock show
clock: 5:52:26
